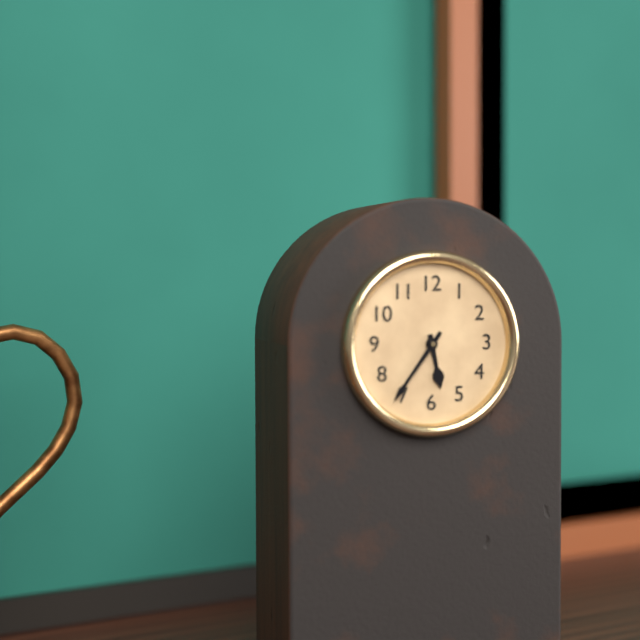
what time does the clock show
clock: 5:36
